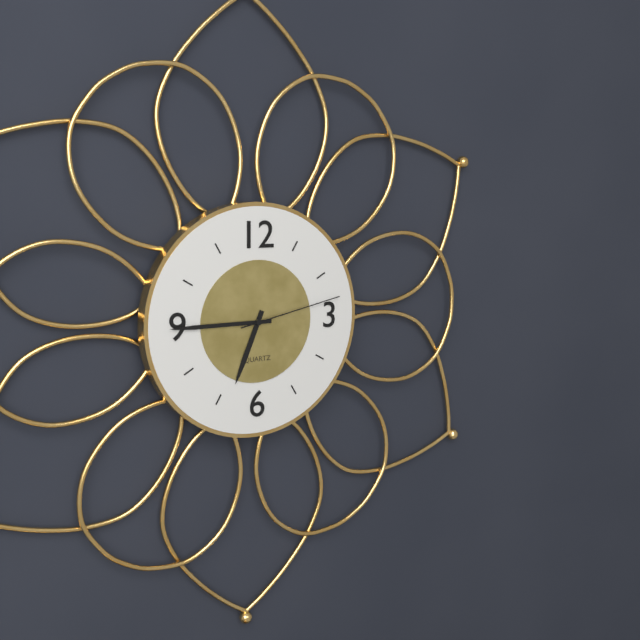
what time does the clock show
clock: 6:45:13
